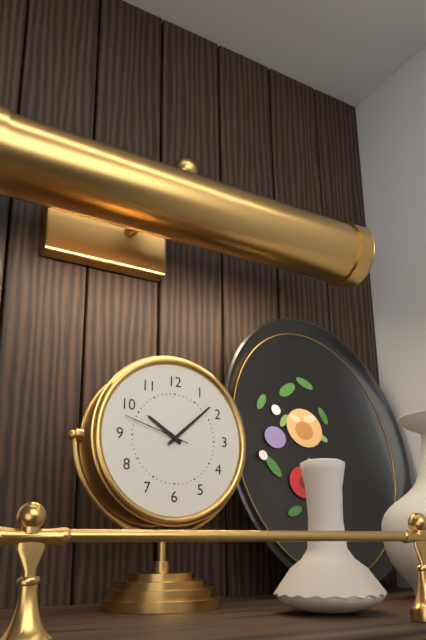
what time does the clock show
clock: 10:08:48
